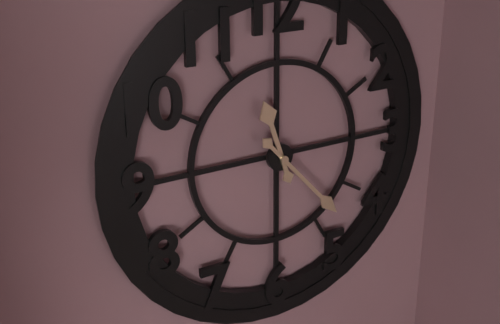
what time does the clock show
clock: 11:23
